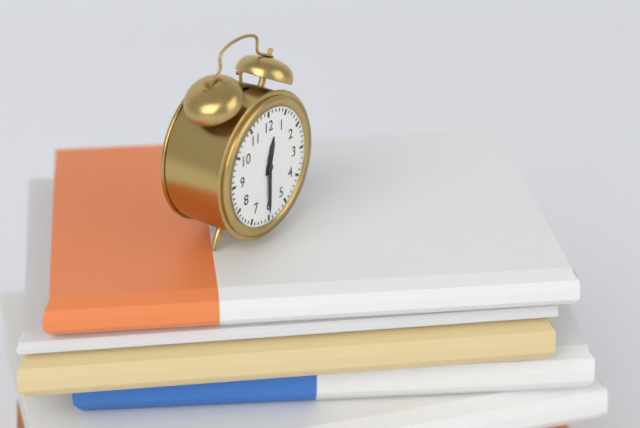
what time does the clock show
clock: 12:30
